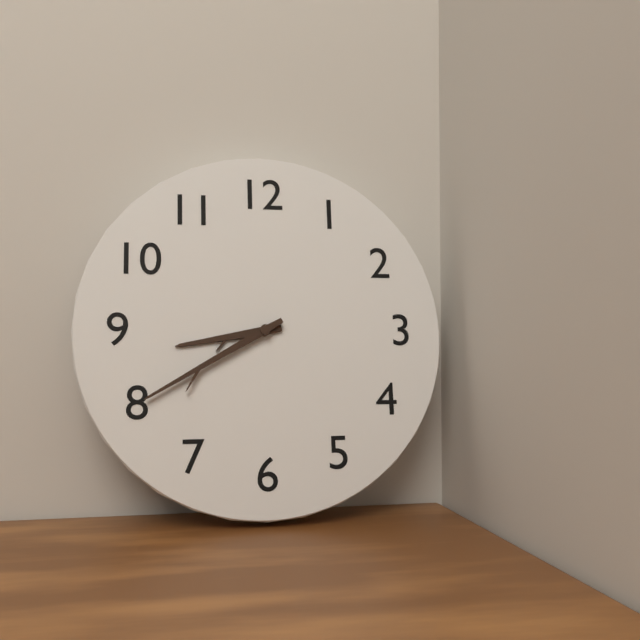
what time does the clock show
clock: 8:40
